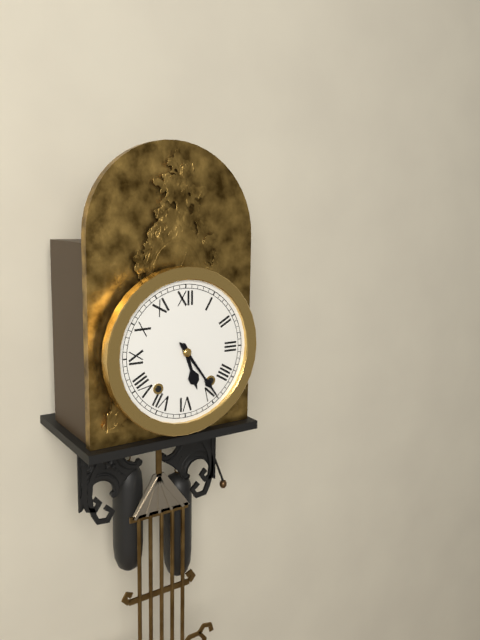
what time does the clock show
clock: 5:24
